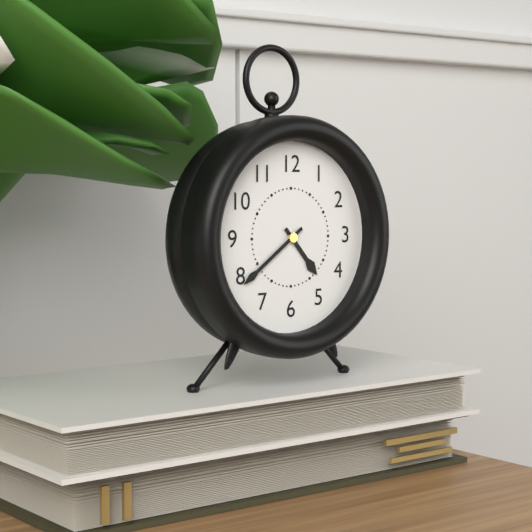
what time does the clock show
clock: 4:39
